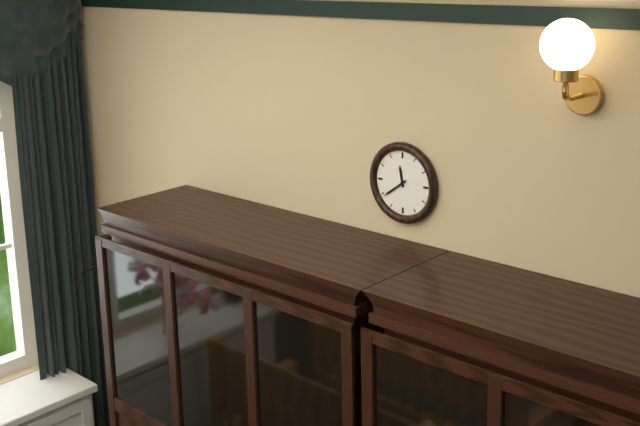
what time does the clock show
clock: 11:39
